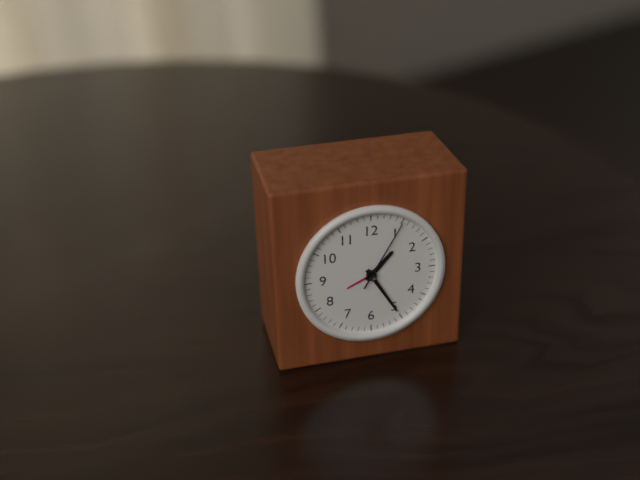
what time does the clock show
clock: 1:25:05
